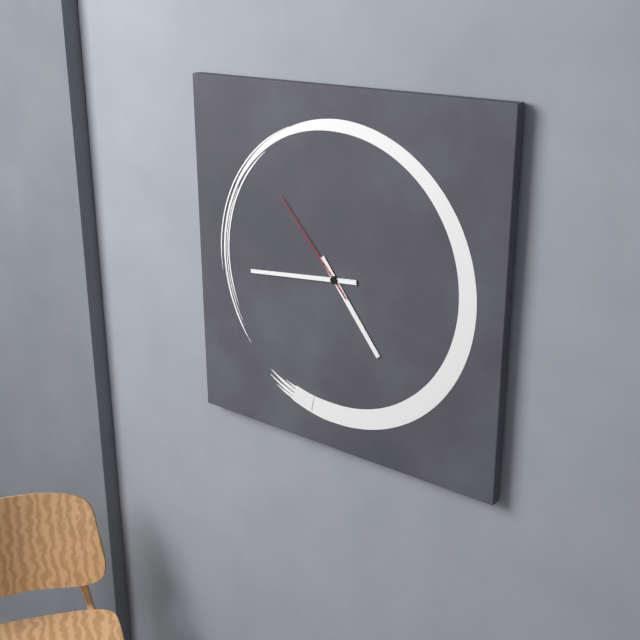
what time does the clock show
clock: 4:44:53
